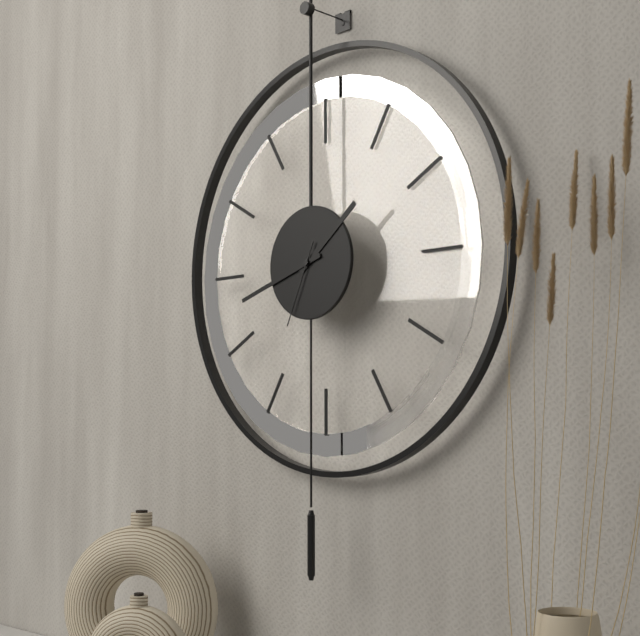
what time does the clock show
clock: 1:42:34
